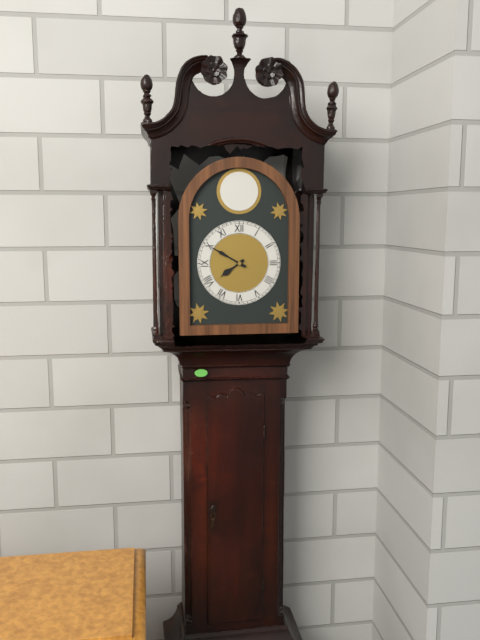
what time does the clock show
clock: 7:50
